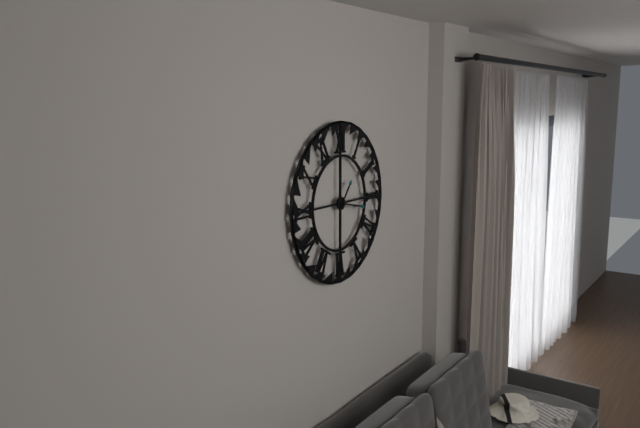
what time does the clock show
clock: 1:17
